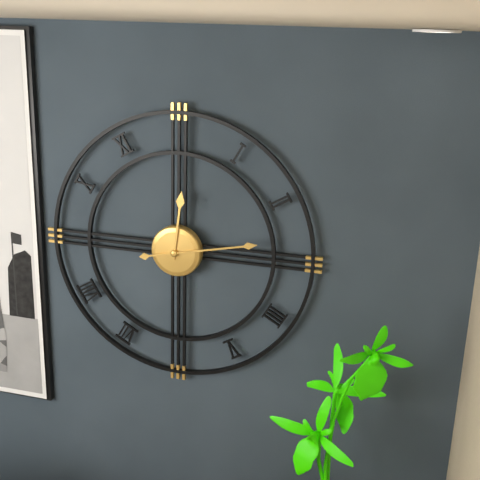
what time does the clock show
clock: 12:13
